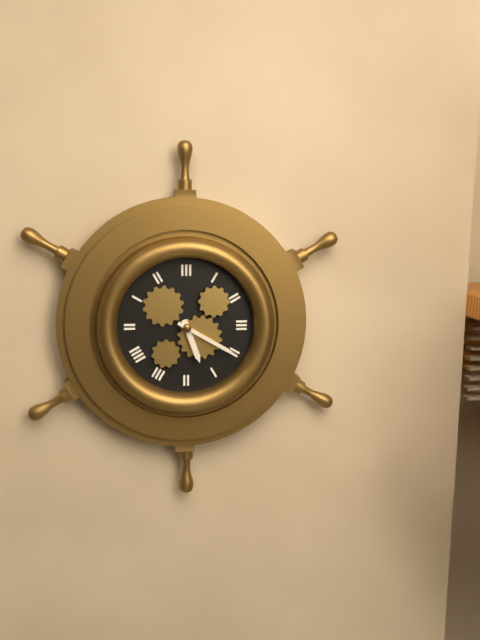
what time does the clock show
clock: 5:20
